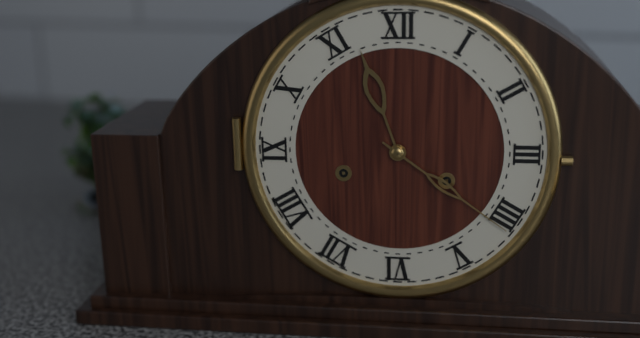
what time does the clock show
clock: 11:21
